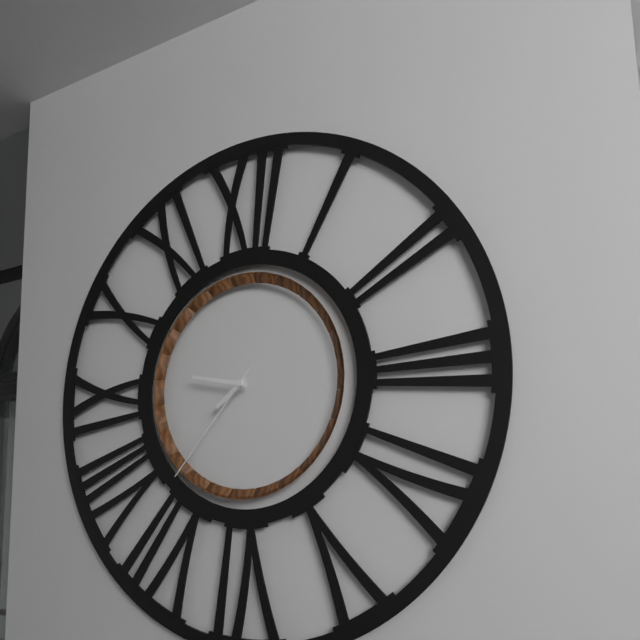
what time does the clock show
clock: 7:47:37
